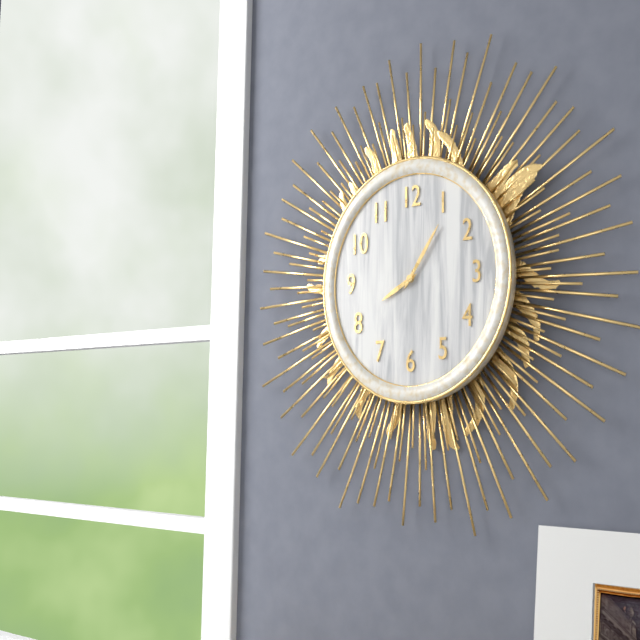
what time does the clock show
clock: 8:06
